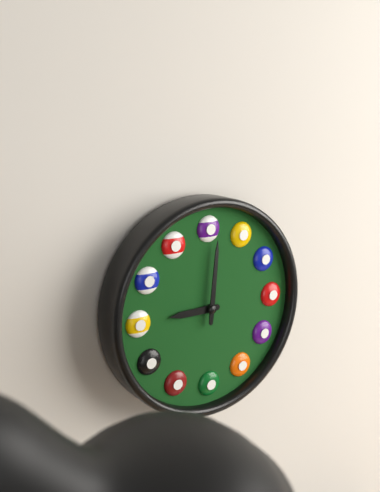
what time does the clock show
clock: 9:01
